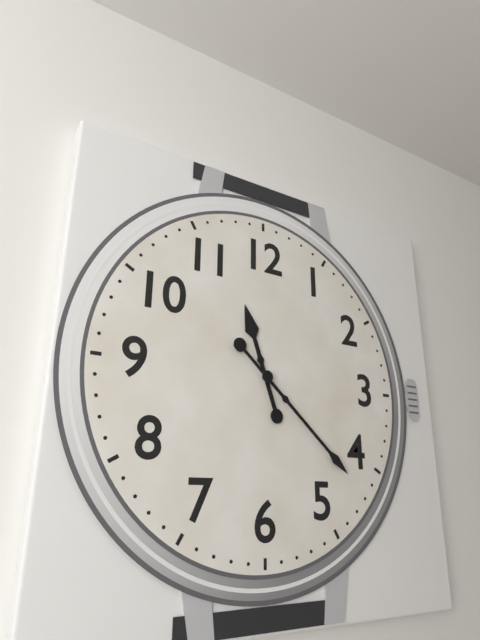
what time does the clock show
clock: 11:22
